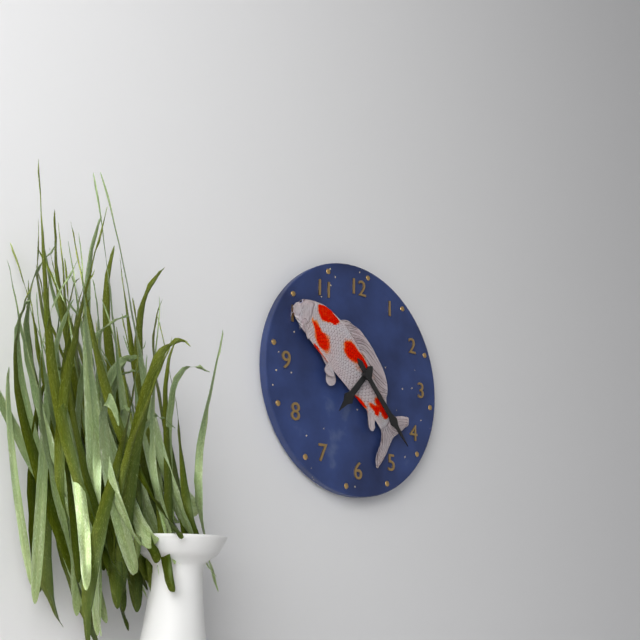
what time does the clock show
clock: 7:23
